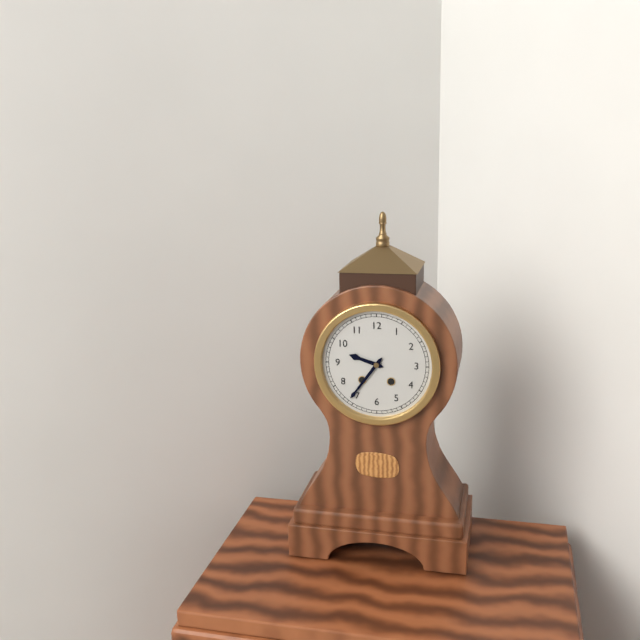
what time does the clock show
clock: 9:36
